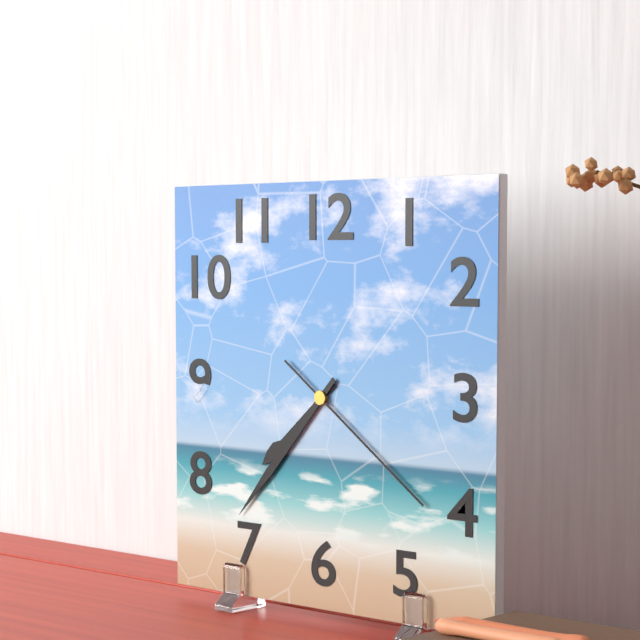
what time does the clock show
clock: 7:37:21
